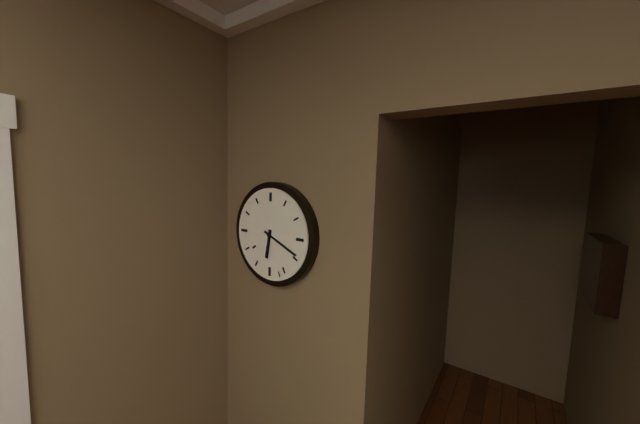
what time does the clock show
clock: 6:19
